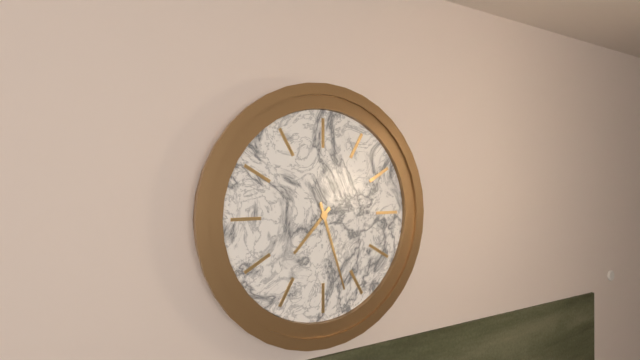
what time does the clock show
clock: 7:27
